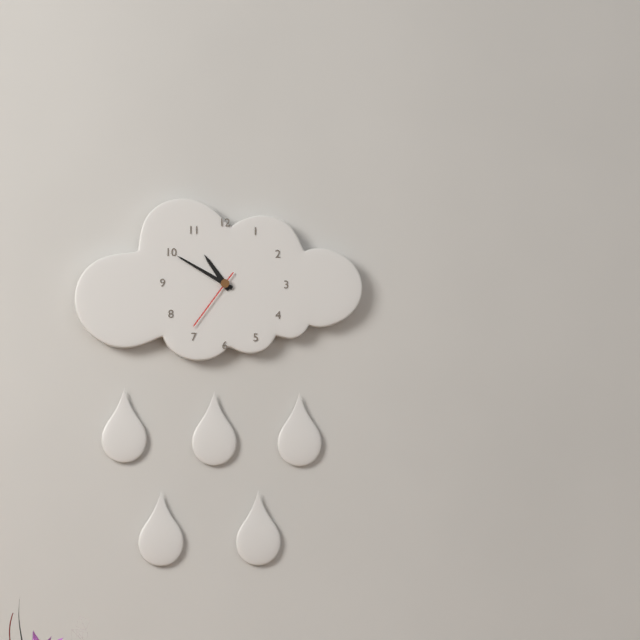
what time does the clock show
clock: 10:50:36
